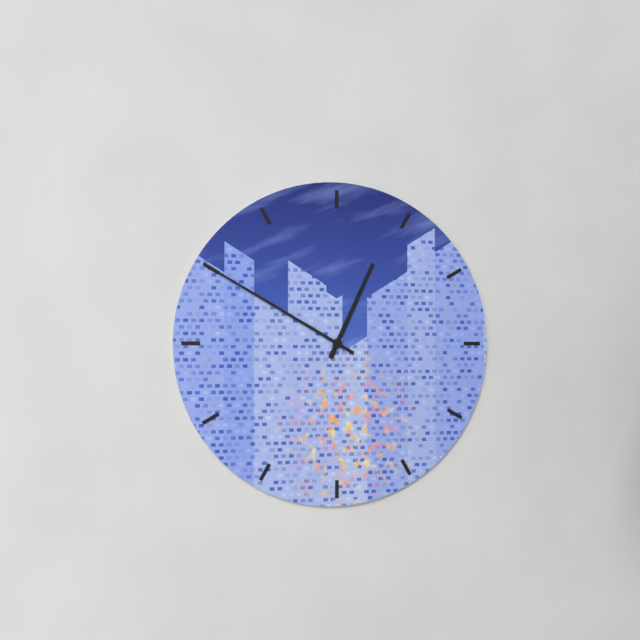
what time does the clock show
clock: 12:50
